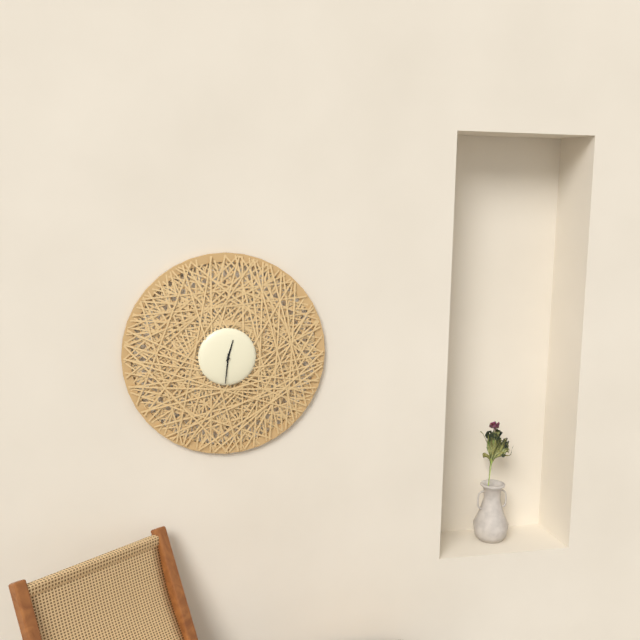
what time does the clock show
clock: 12:31
